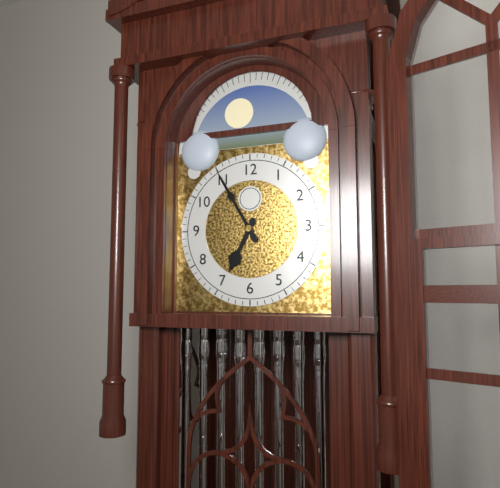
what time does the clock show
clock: 6:55
